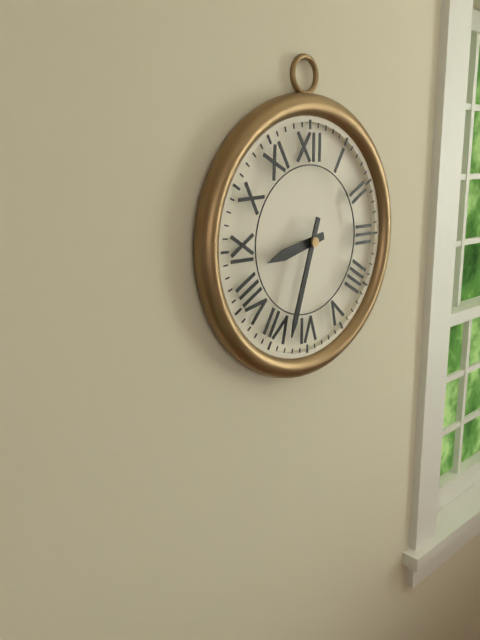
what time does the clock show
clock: 8:33
